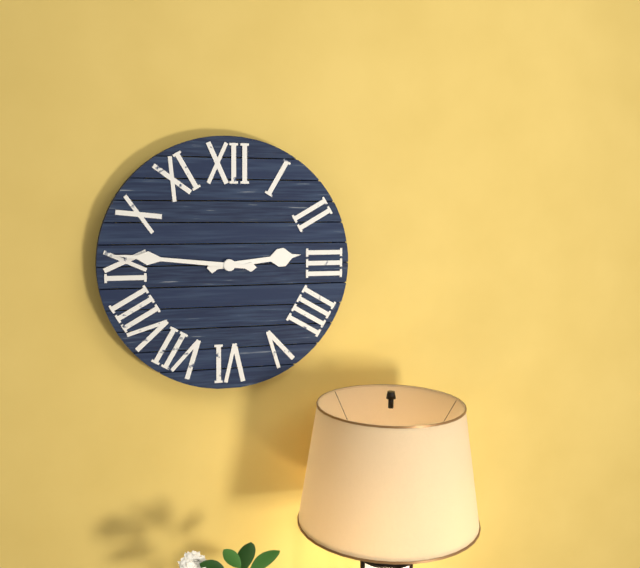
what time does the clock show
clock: 2:46
